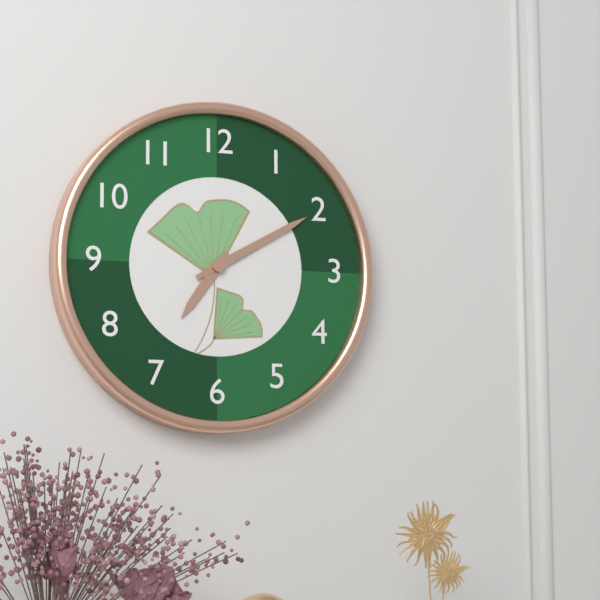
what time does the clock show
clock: 7:10
